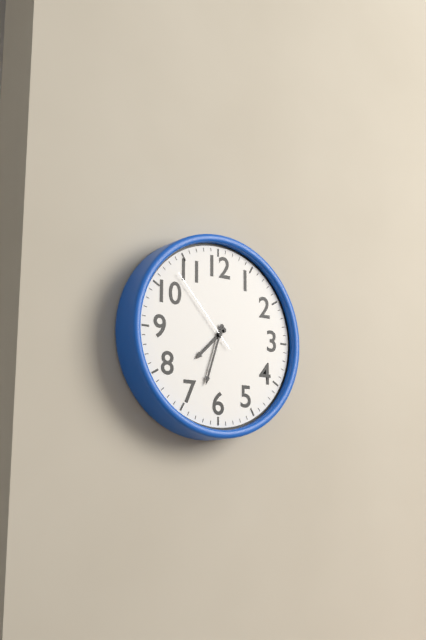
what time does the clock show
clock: 7:33:53
